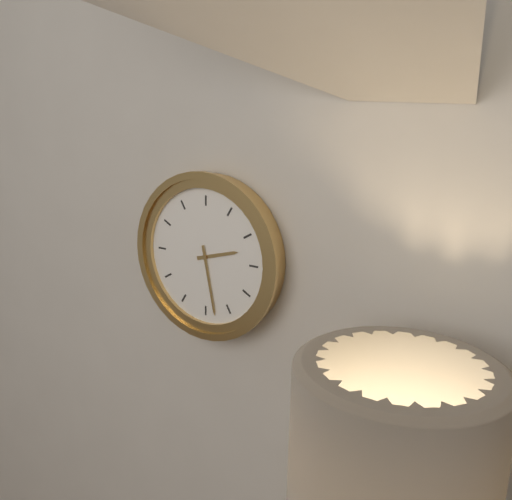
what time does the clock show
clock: 2:28
